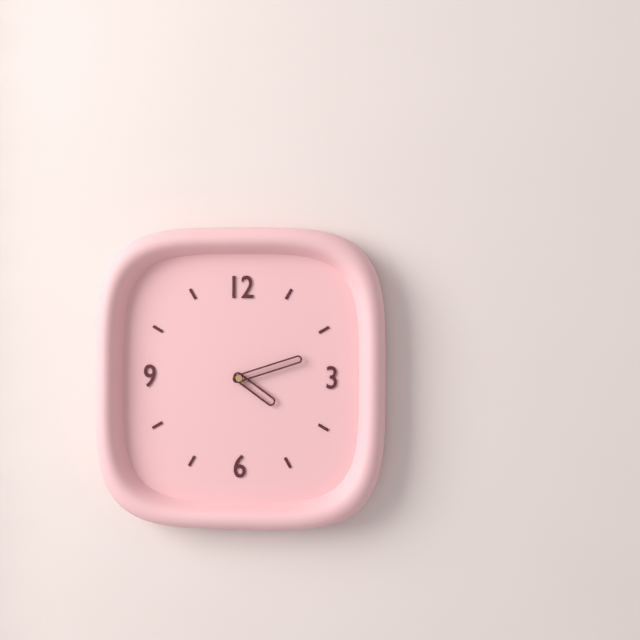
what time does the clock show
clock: 4:12
